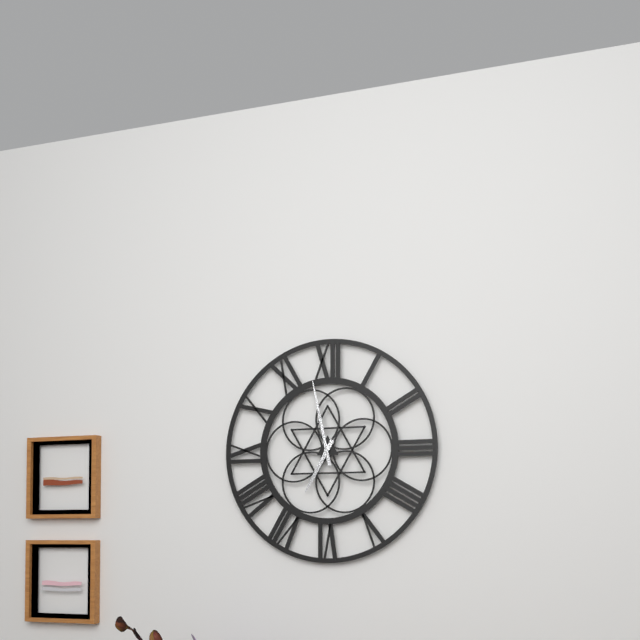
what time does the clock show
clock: 6:58
